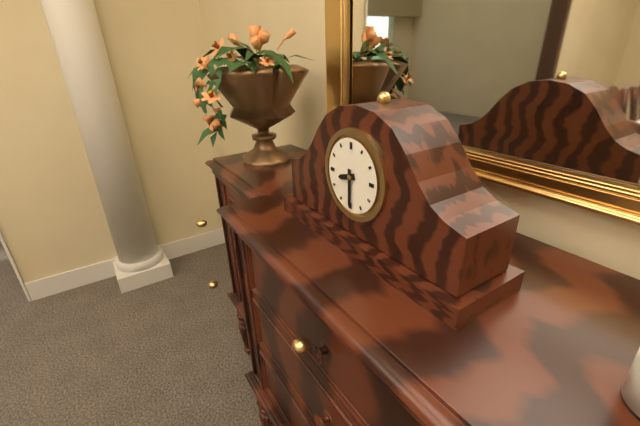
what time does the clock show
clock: 8:30
